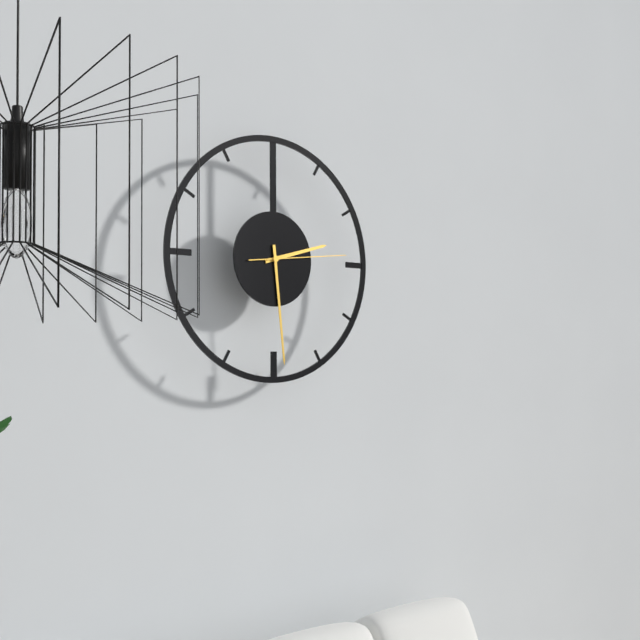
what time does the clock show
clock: 2:29:14
